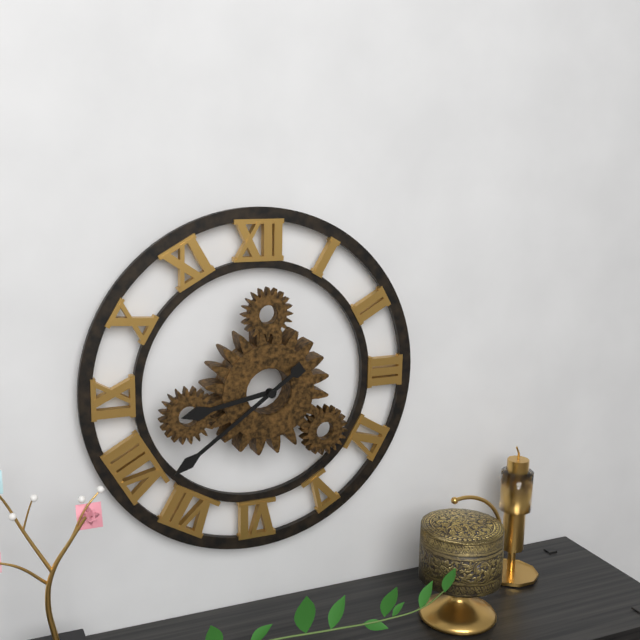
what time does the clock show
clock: 8:39
